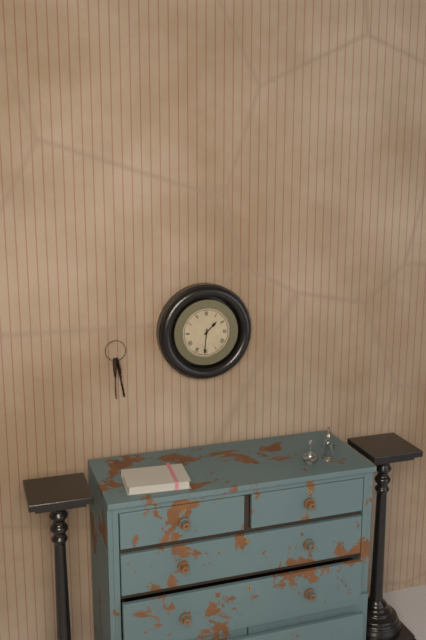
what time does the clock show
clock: 1:31
